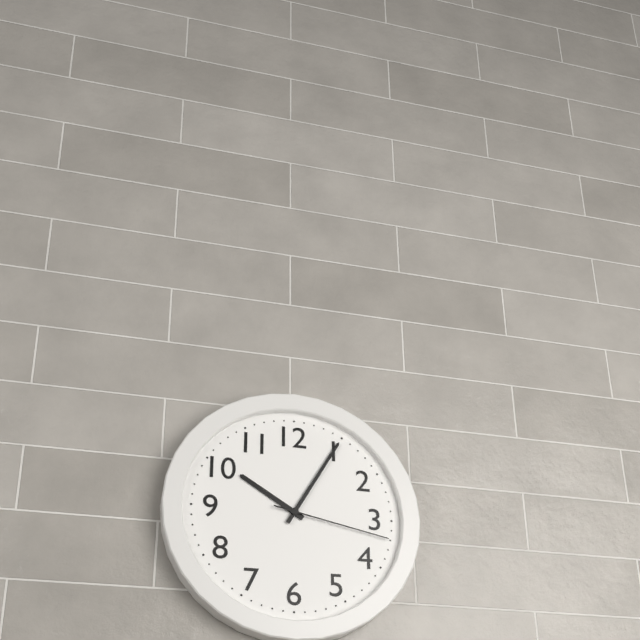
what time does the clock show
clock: 10:05:17
